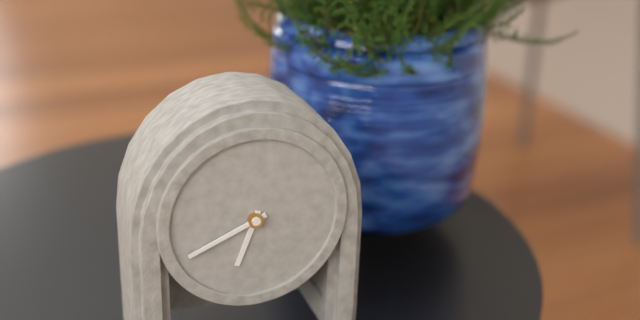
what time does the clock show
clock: 6:41
